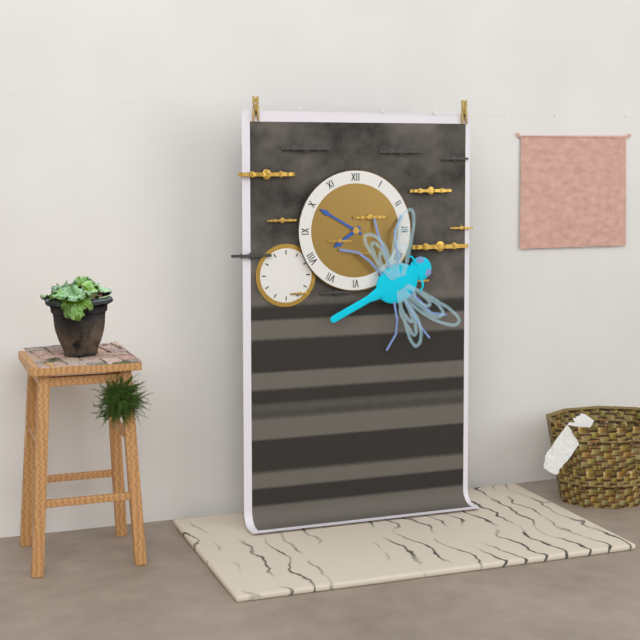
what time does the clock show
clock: 7:50
